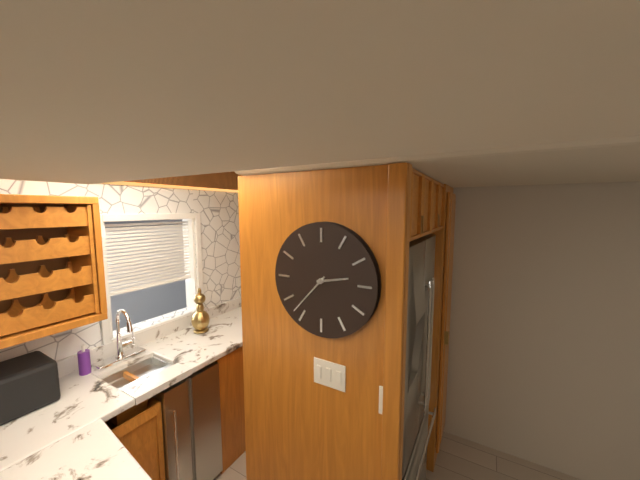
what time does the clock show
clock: 2:37
